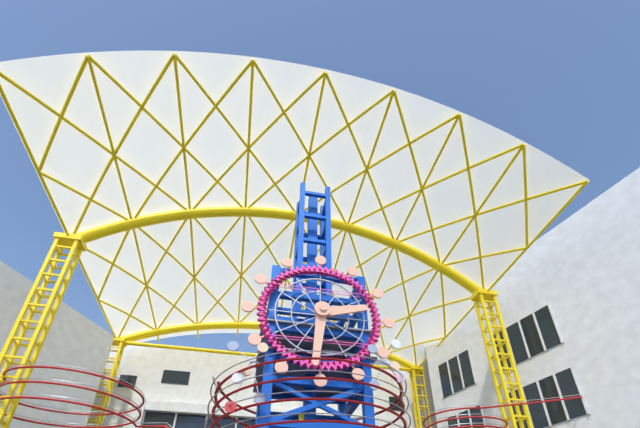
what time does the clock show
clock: 2:31
